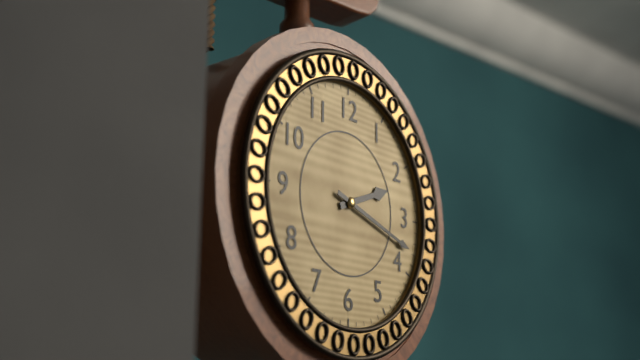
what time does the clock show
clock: 2:18
